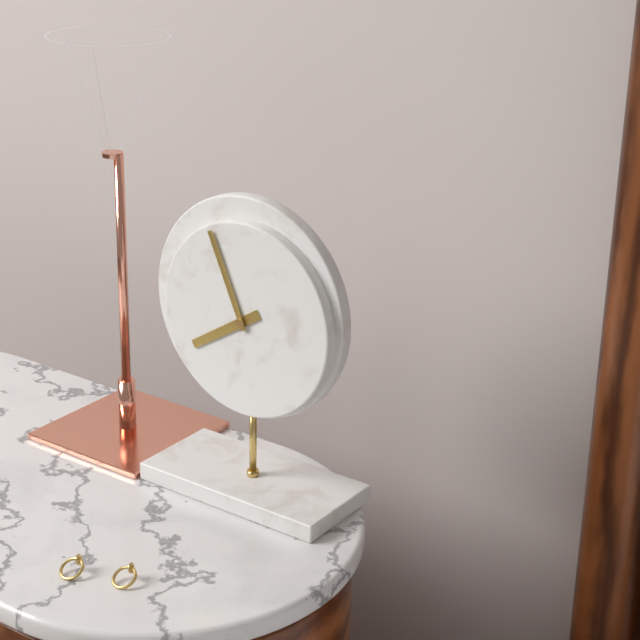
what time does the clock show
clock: 7:56
